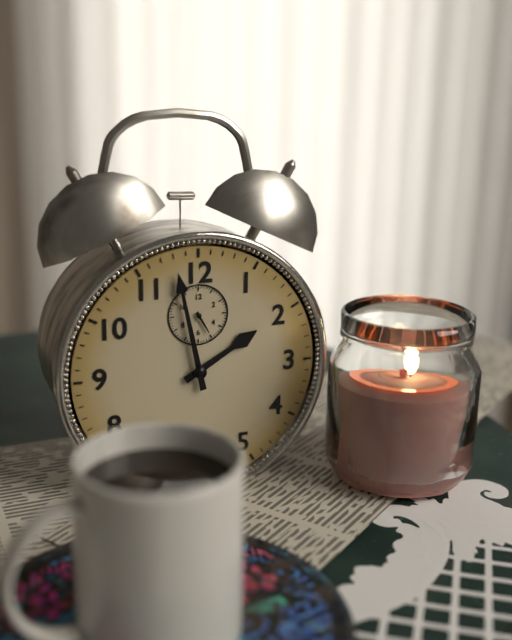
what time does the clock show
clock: 1:58
